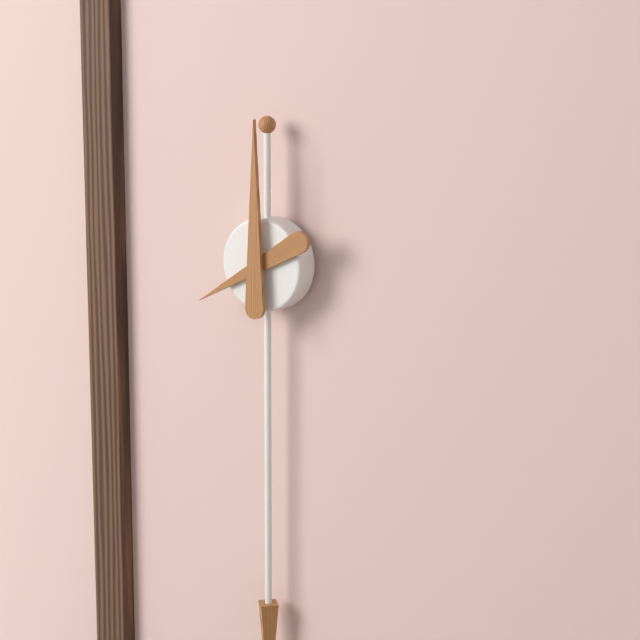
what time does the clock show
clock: 8:00
